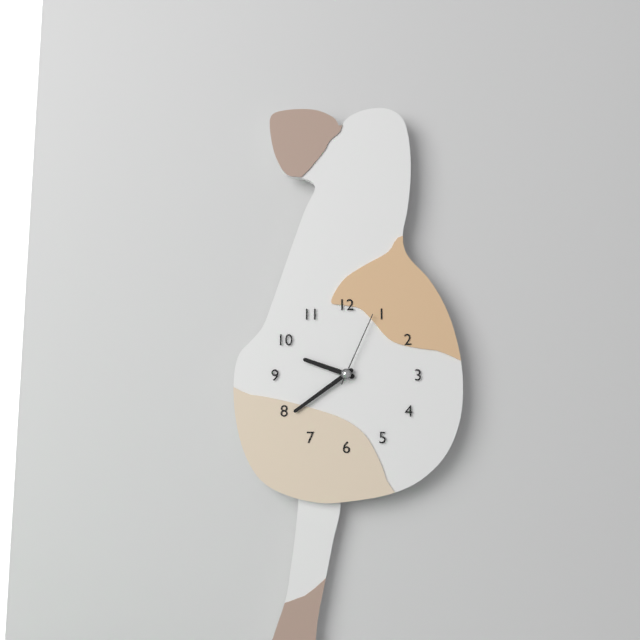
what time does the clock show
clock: 9:39:04
